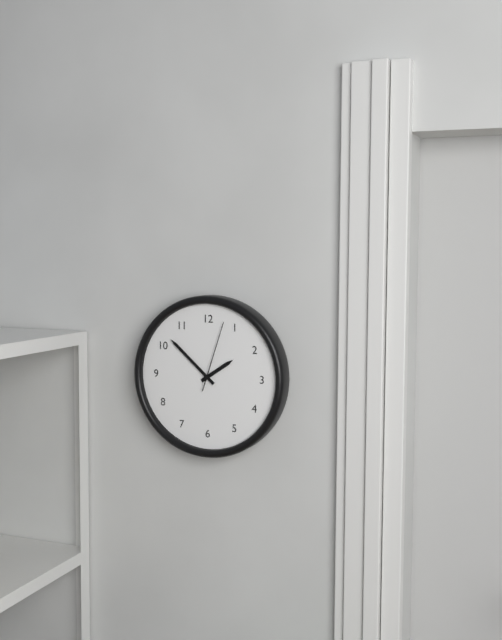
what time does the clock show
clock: 1:52:03
